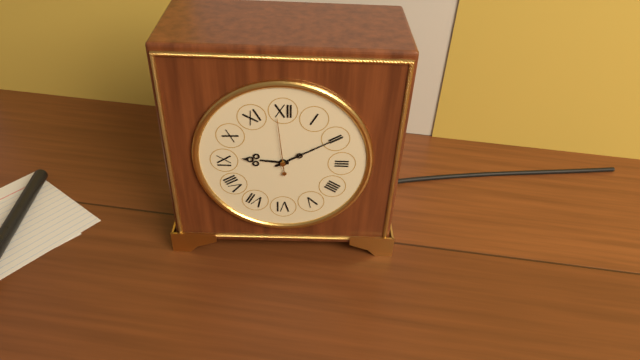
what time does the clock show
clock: 9:10:59
